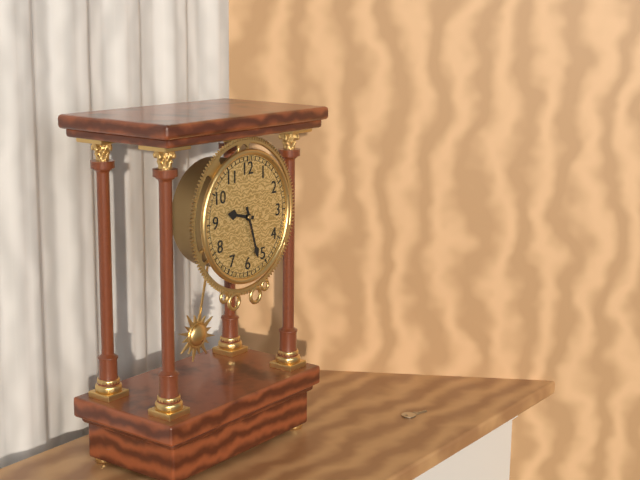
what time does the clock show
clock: 9:27
